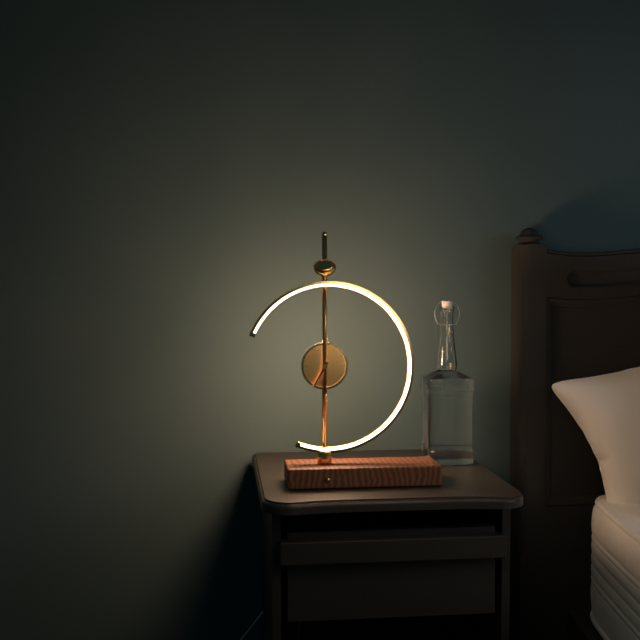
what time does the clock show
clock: 7:00
